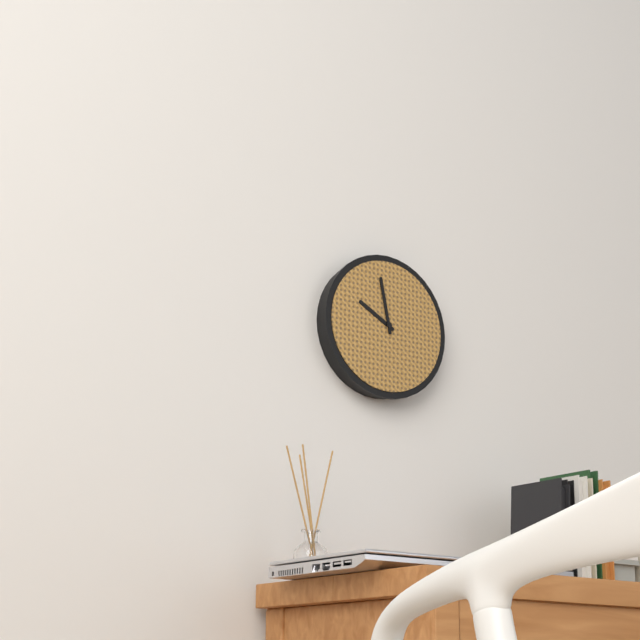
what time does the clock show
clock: 9:58
